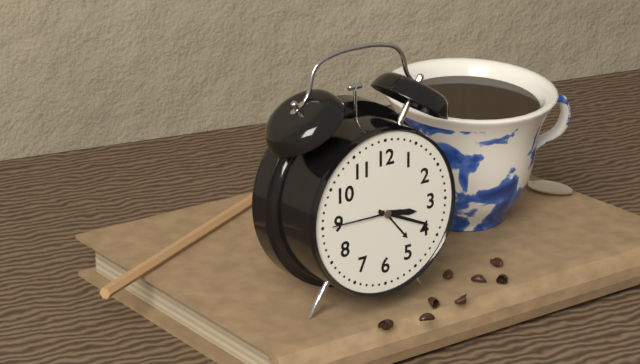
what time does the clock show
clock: 3:19:45
